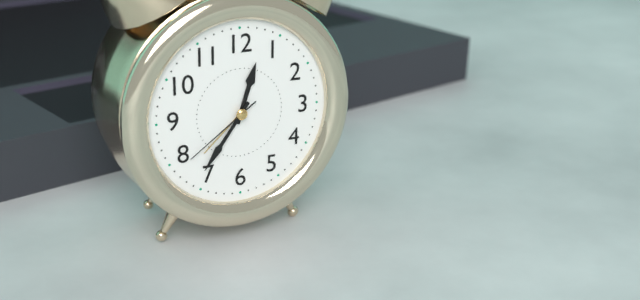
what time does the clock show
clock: 12:36:39
